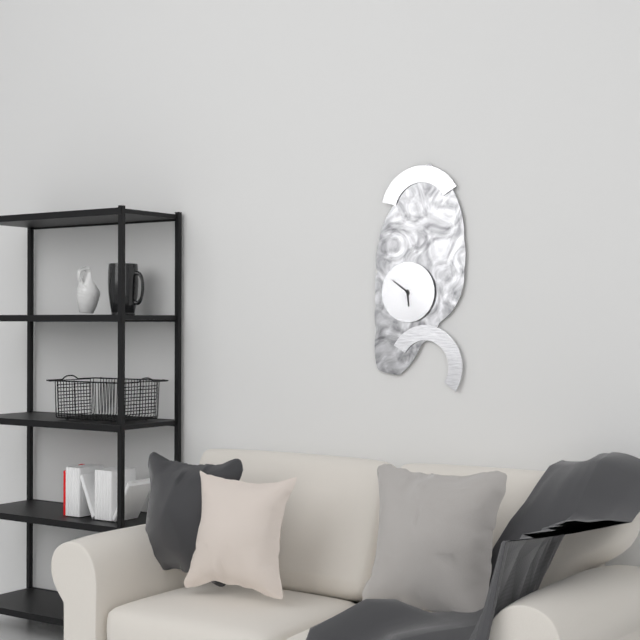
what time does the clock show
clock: 5:51
